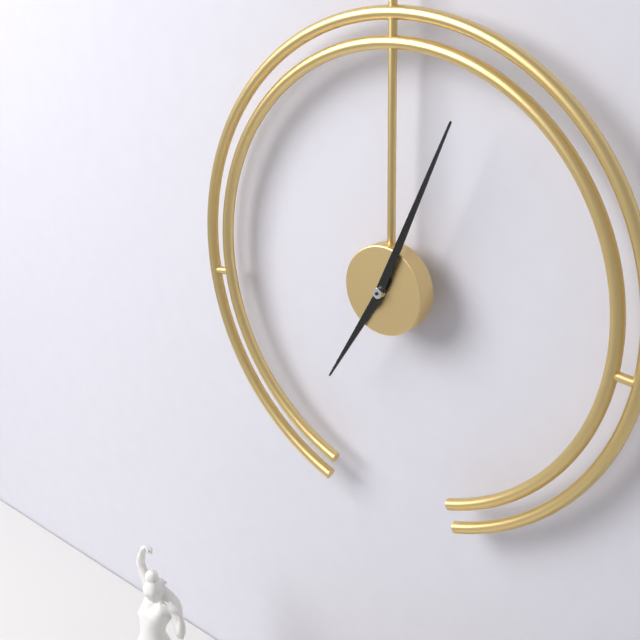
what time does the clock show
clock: 7:04
